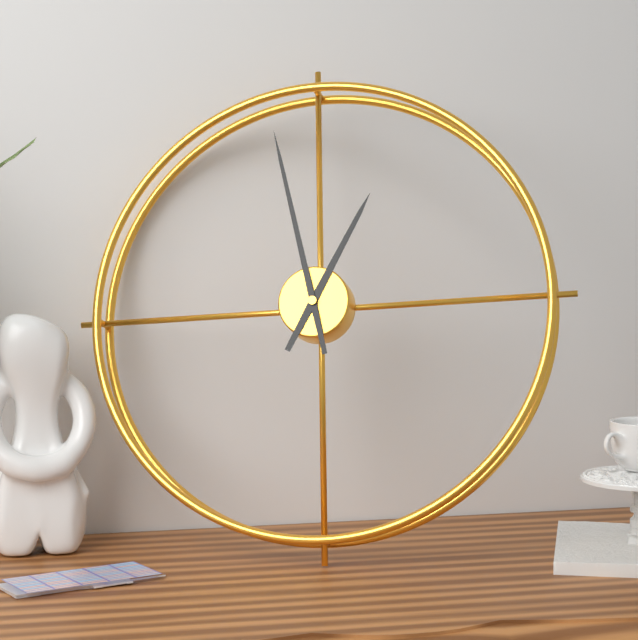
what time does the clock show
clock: 12:58
